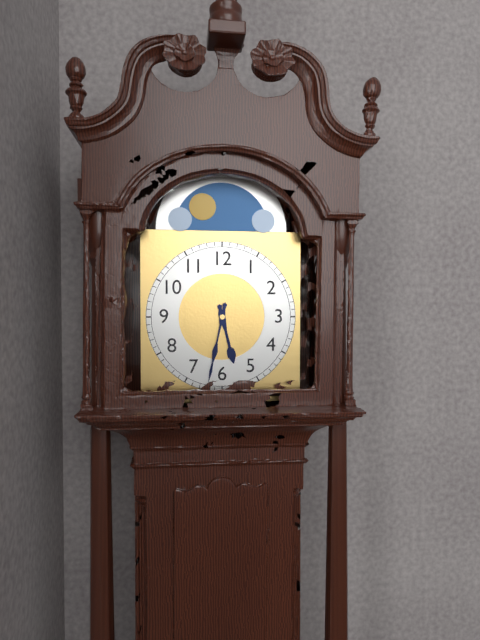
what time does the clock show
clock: 5:32
